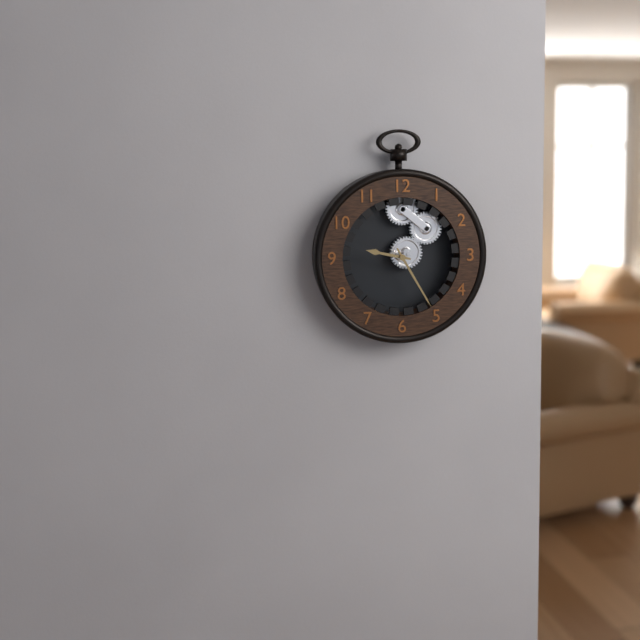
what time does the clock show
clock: 9:25
